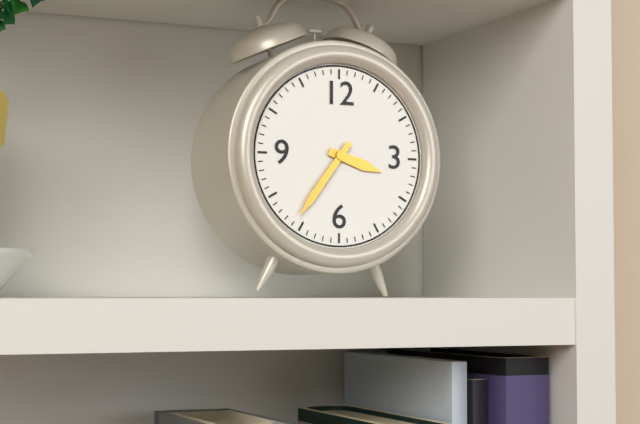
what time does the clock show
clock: 3:36
